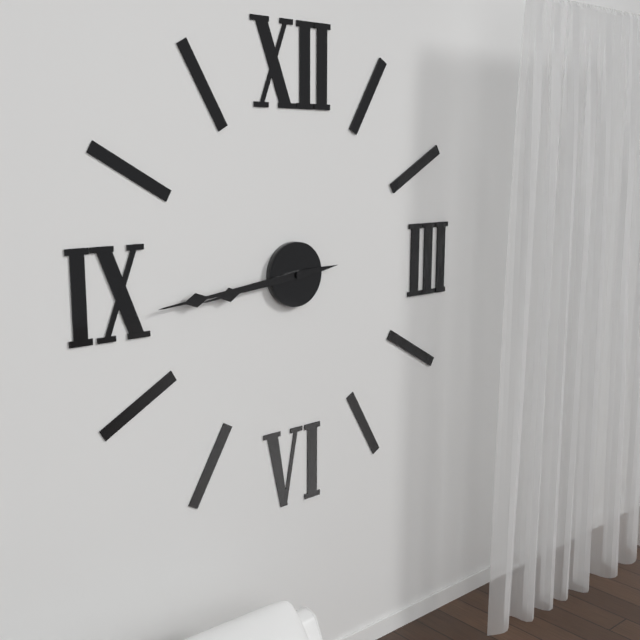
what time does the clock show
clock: 8:44
